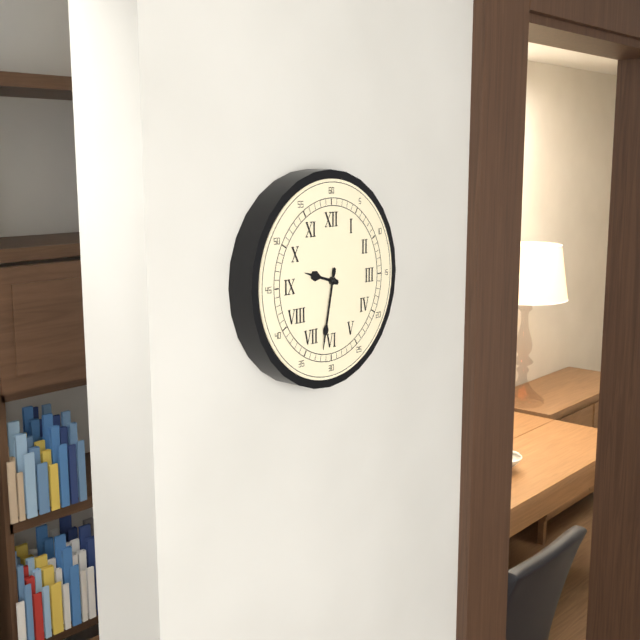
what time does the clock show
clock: 9:32
